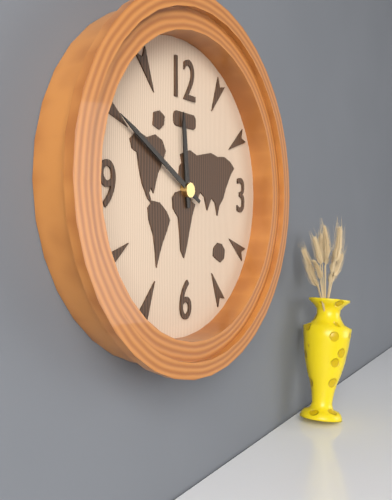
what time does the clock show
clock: 11:50
